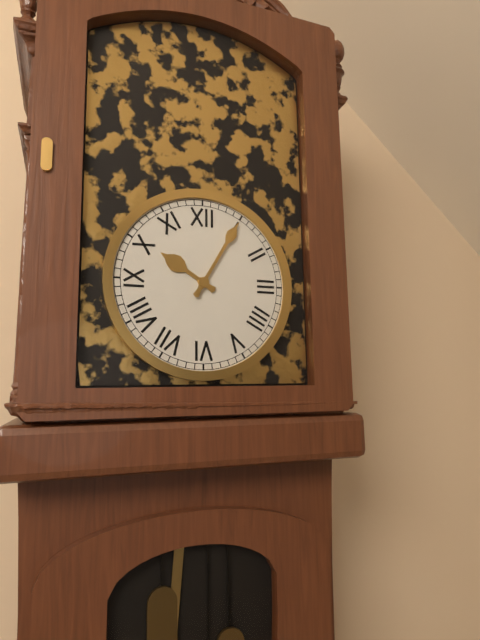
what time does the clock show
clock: 10:05
